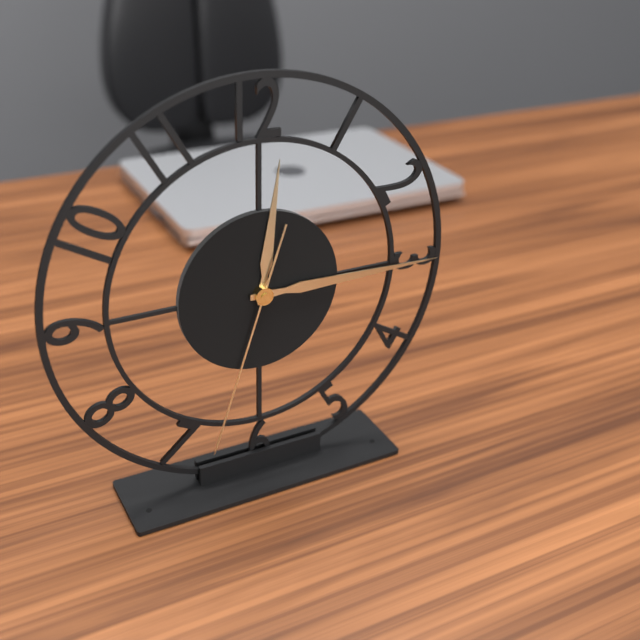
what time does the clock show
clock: 12:15:33
